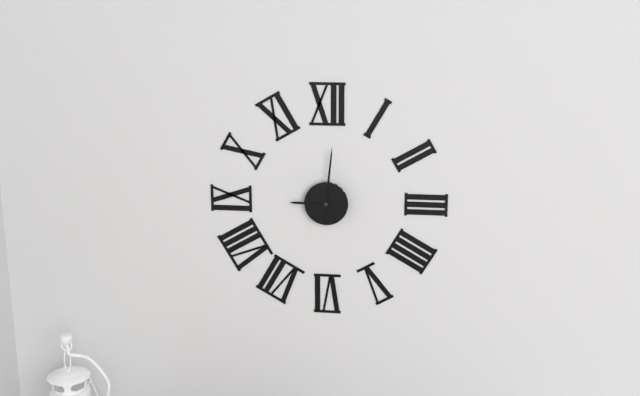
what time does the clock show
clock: 9:01
